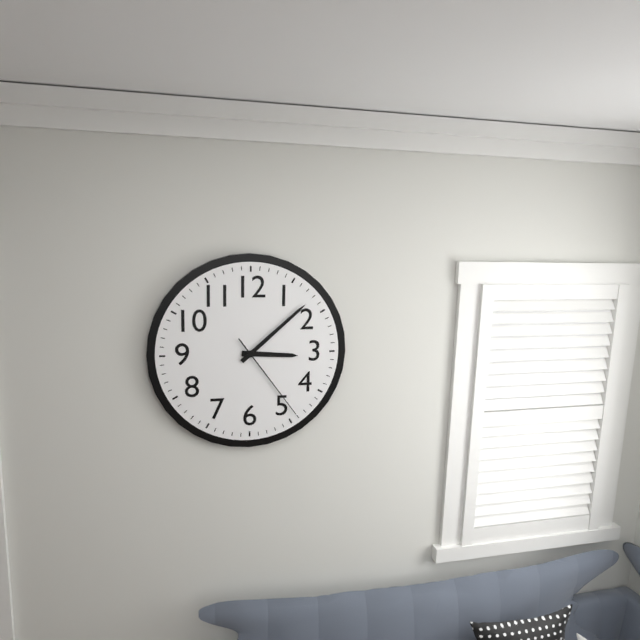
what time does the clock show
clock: 3:08:24
